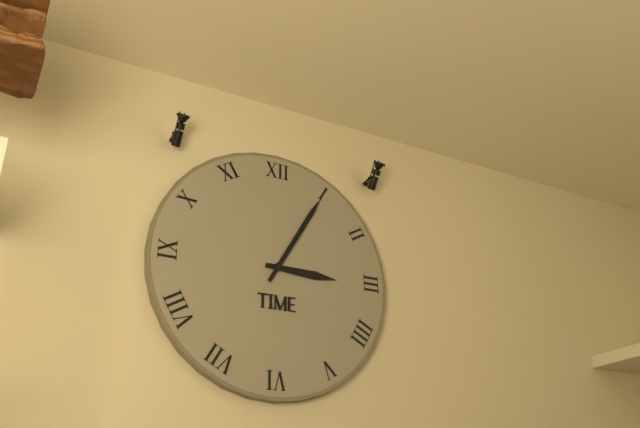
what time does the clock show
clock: 3:05
